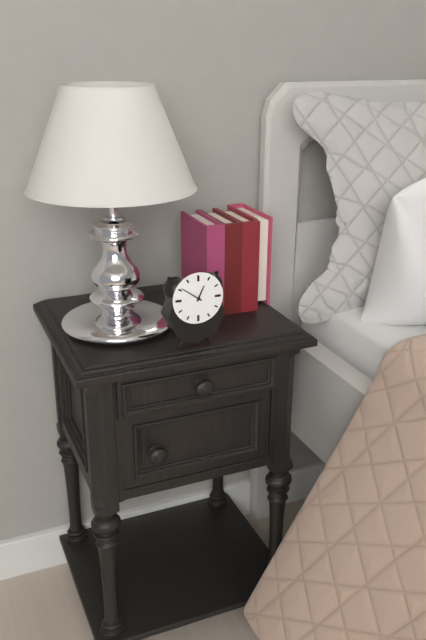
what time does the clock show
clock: 12:51
